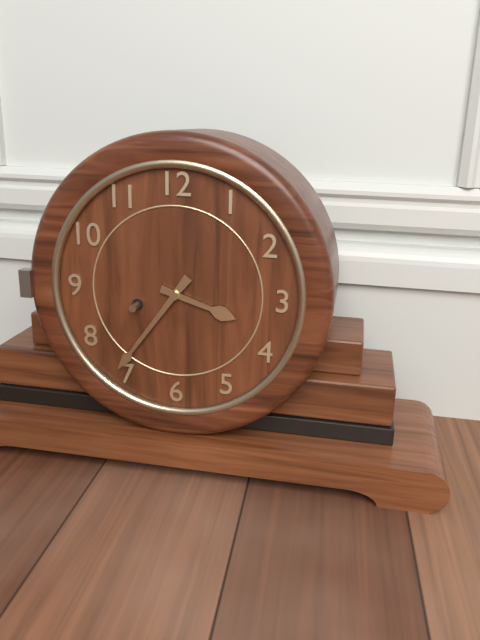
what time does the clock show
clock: 3:36
